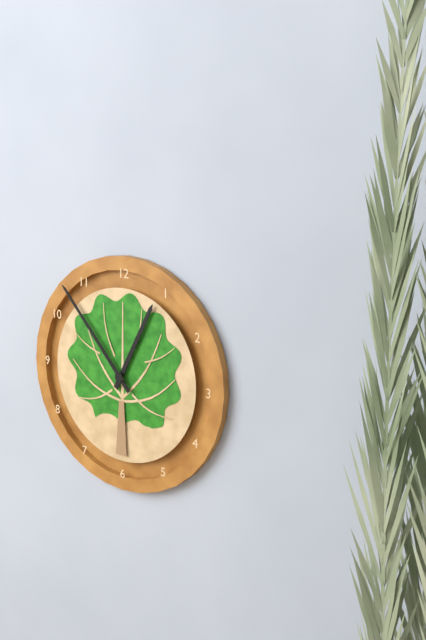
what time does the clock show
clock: 12:53
